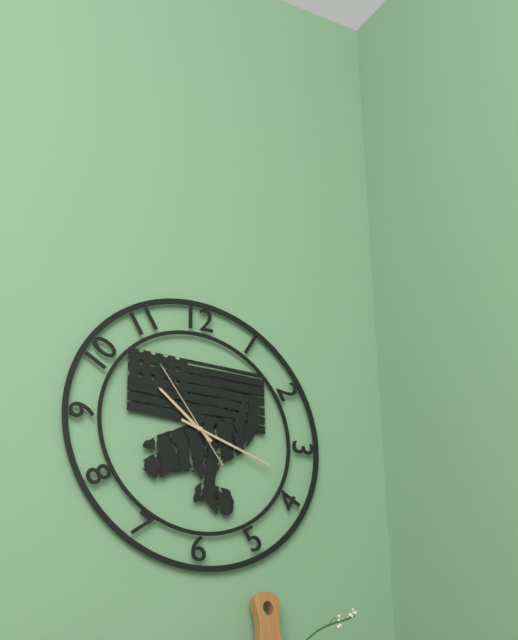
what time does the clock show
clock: 10:18:54
